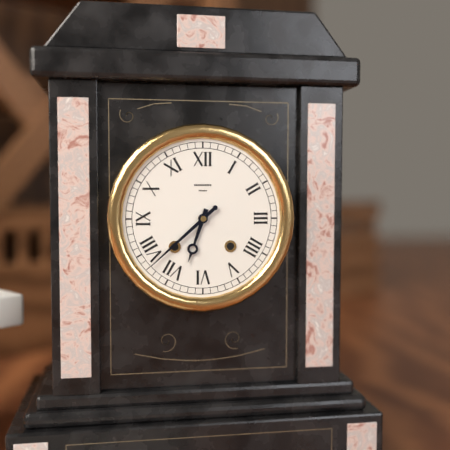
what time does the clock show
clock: 6:38
